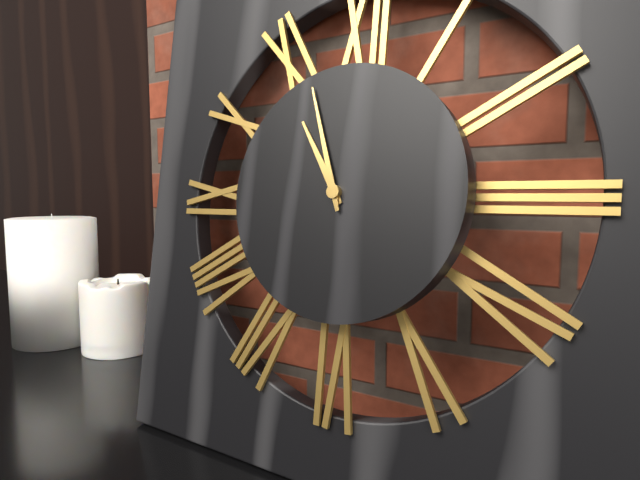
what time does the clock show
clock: 10:57
